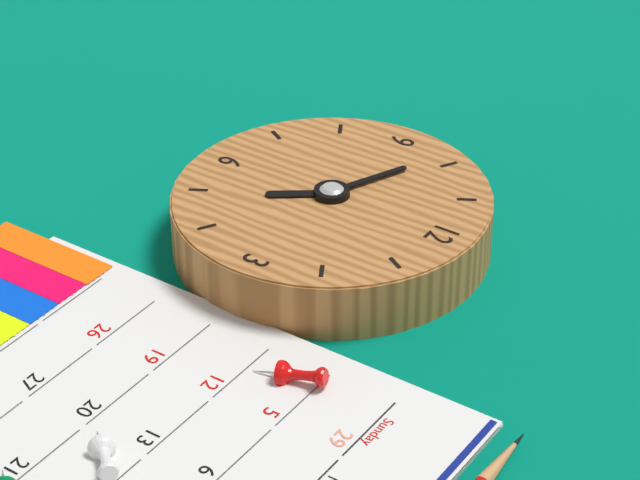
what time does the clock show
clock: 4:49
